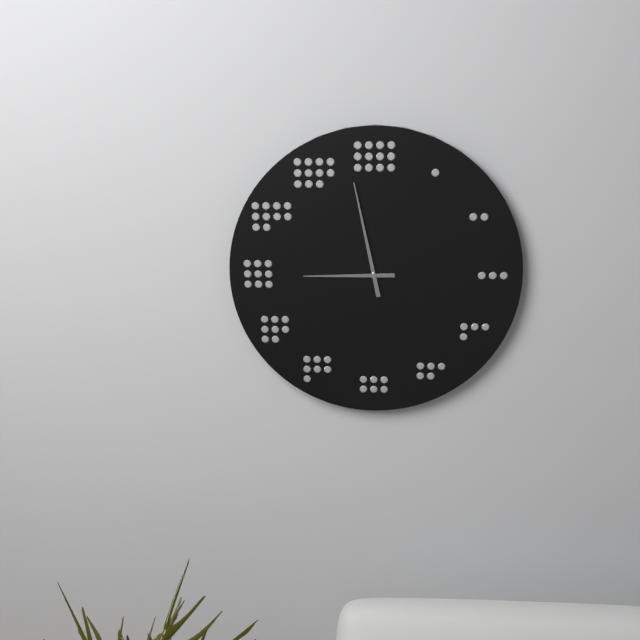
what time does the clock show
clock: 8:58
